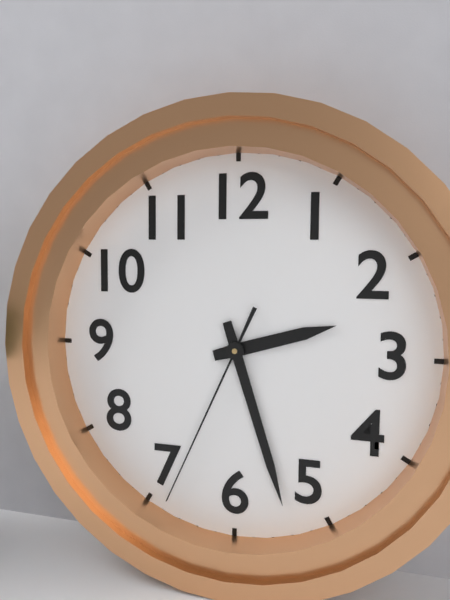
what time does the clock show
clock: 2:27:34
